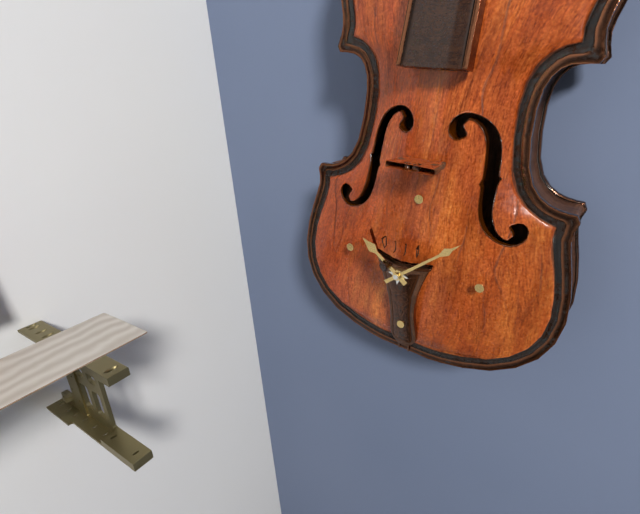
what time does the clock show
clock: 10:08
